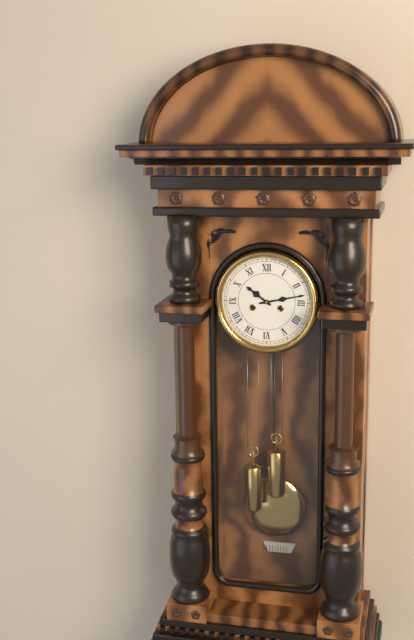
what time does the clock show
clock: 10:13
